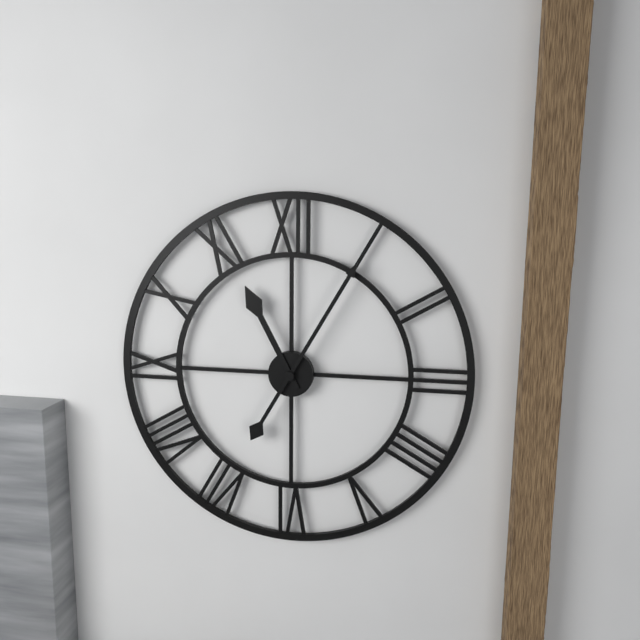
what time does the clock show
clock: 11:05
